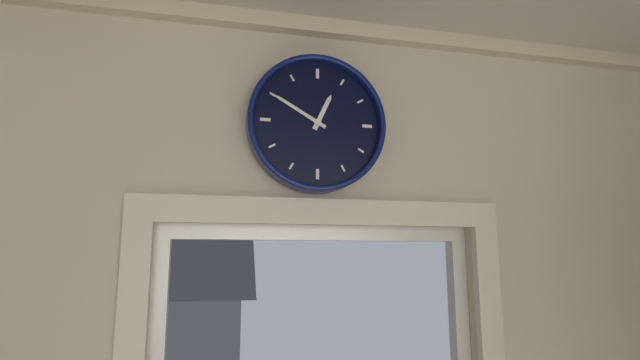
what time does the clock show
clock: 12:50
